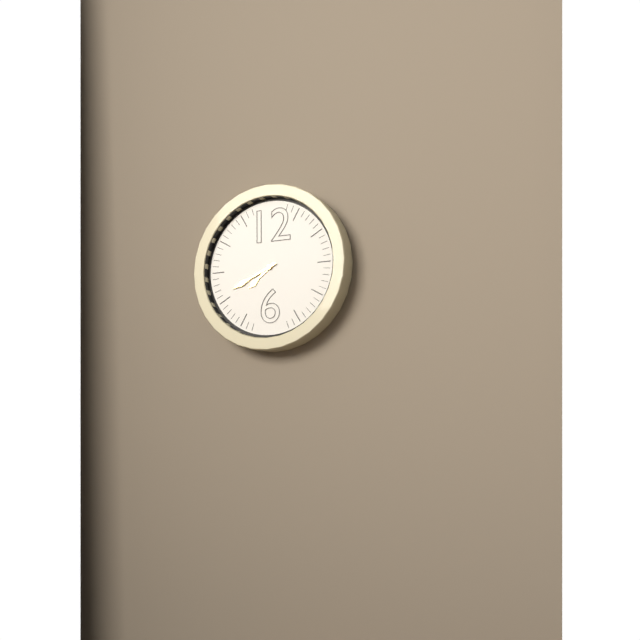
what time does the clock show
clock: 7:41
